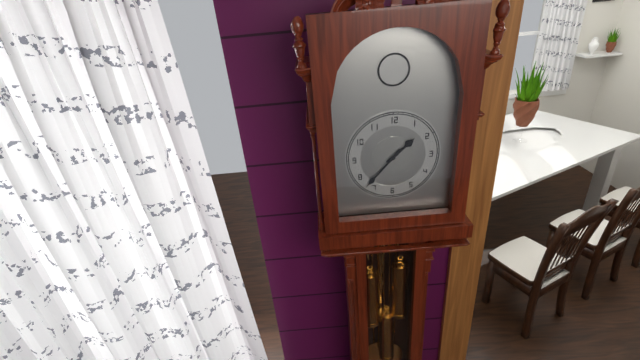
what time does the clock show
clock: 1:37
